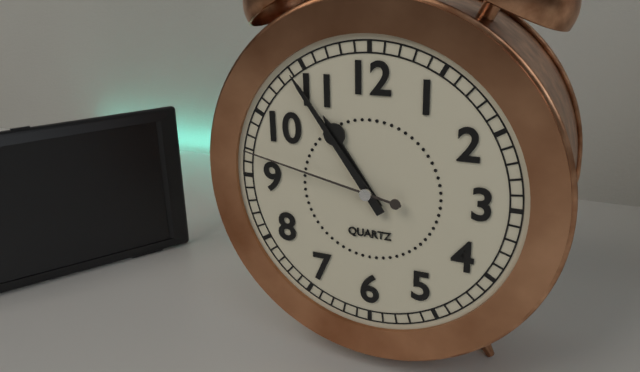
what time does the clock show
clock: 10:54:47
